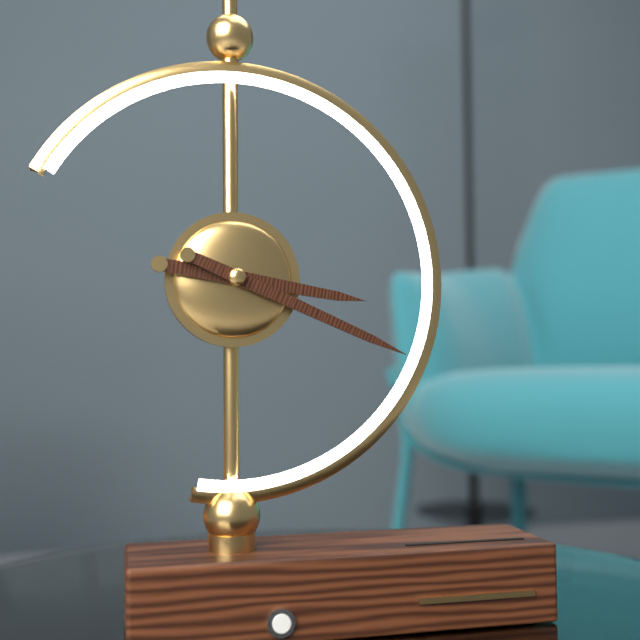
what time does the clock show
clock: 3:19
